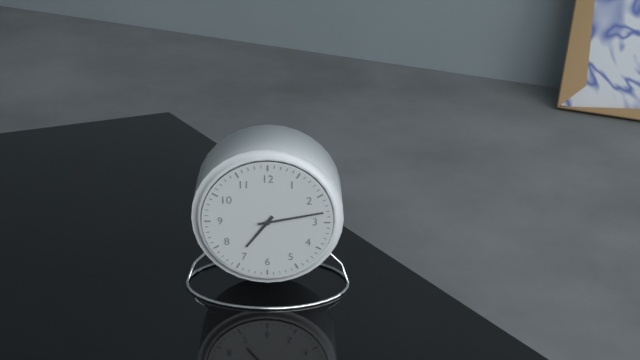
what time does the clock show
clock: 7:13
